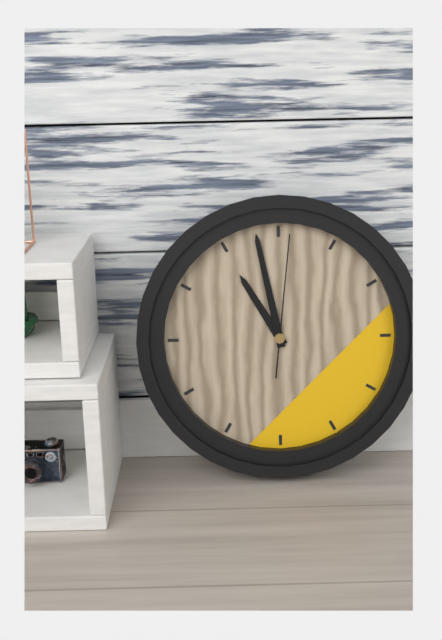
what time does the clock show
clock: 10:58:01
